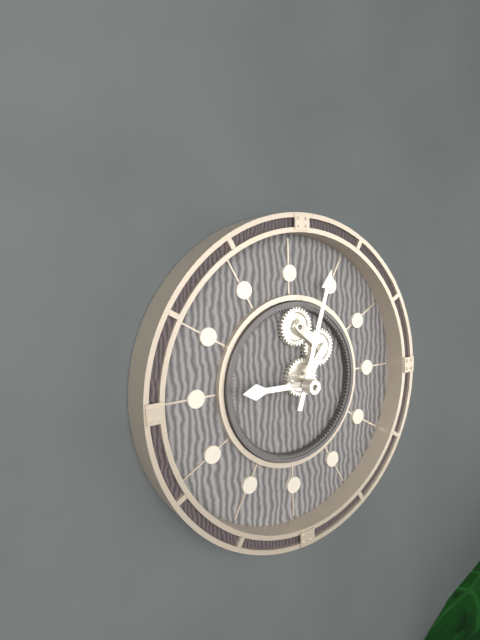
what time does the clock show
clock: 9:03
